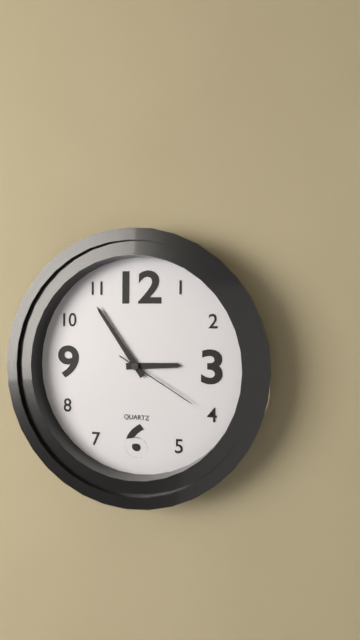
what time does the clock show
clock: 2:54:20
